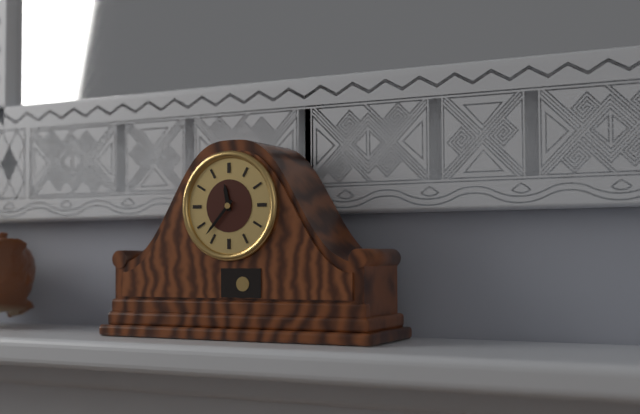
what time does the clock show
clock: 11:37
